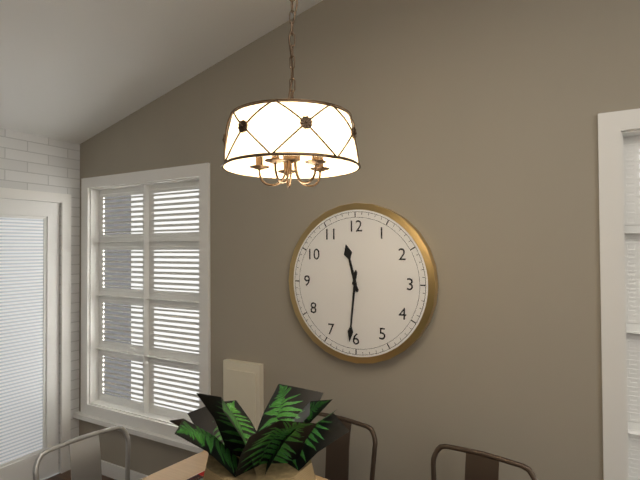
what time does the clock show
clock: 11:31
